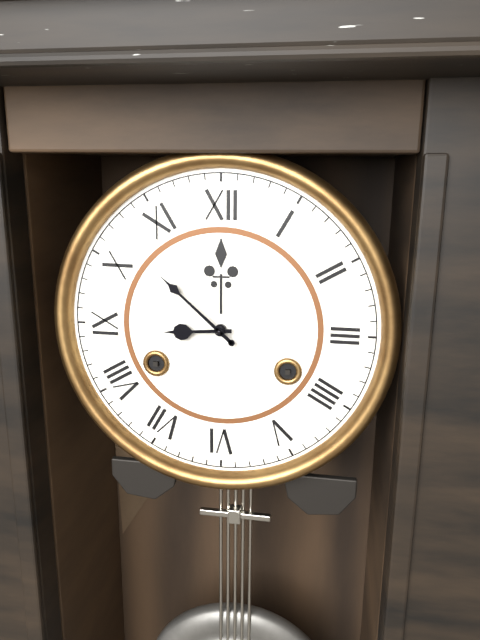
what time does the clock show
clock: 8:52
